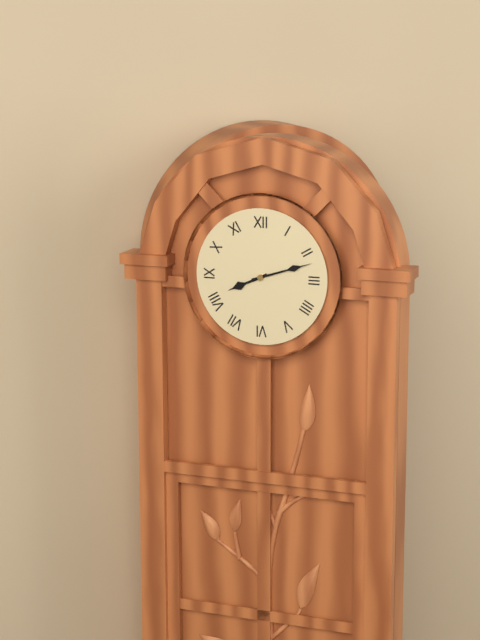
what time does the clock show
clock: 8:12
